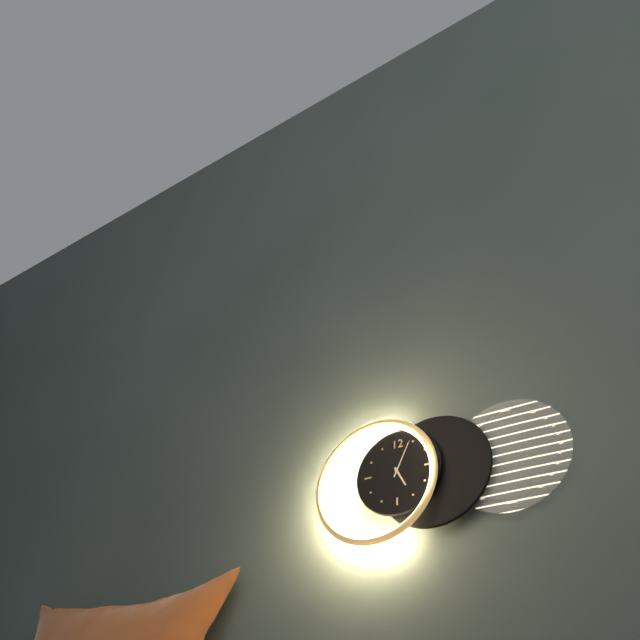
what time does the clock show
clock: 5:04
